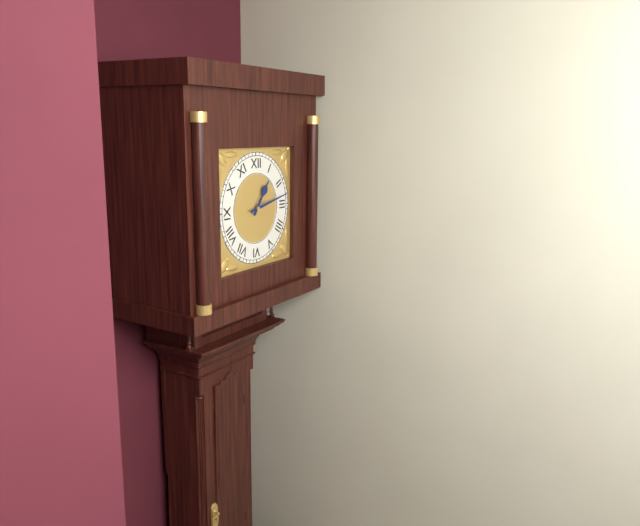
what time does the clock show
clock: 1:13
